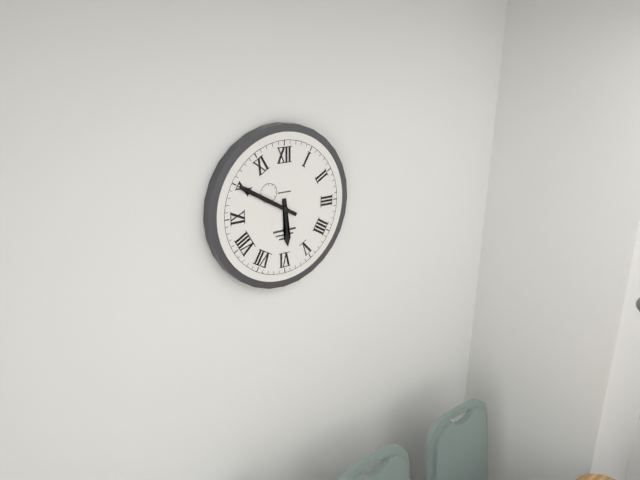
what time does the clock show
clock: 5:50
